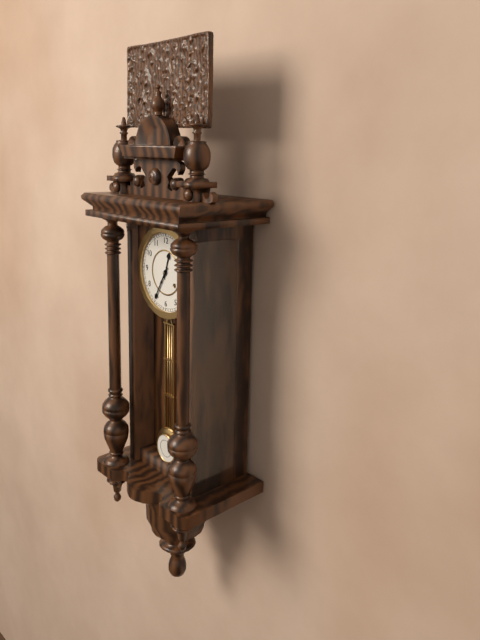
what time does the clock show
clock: 12:35
